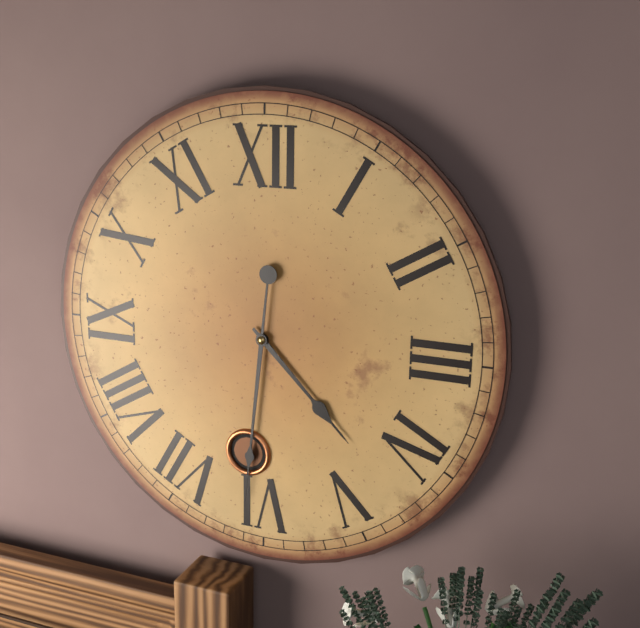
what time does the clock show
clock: 4:31
